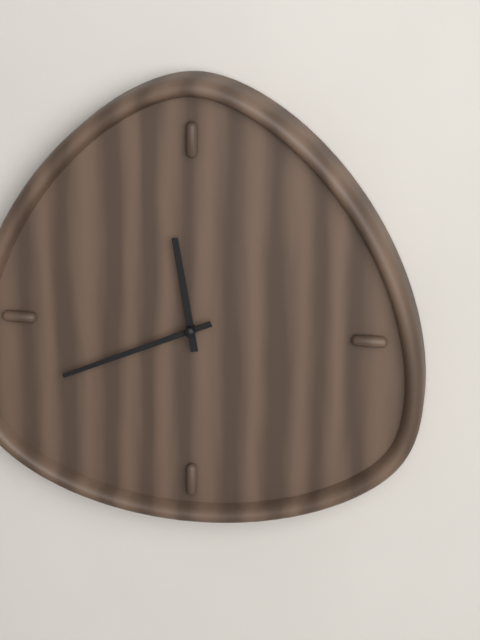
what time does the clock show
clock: 11:41
